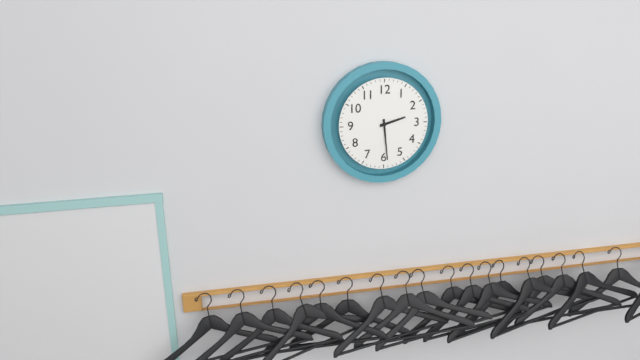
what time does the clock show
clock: 2:29
